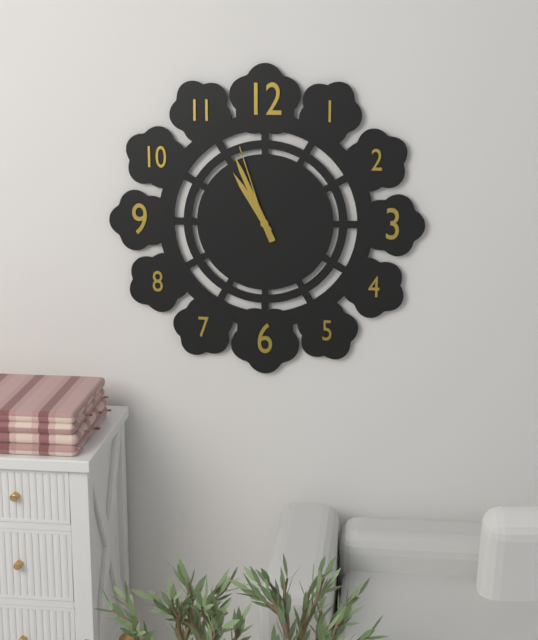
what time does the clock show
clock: 10:56:57
